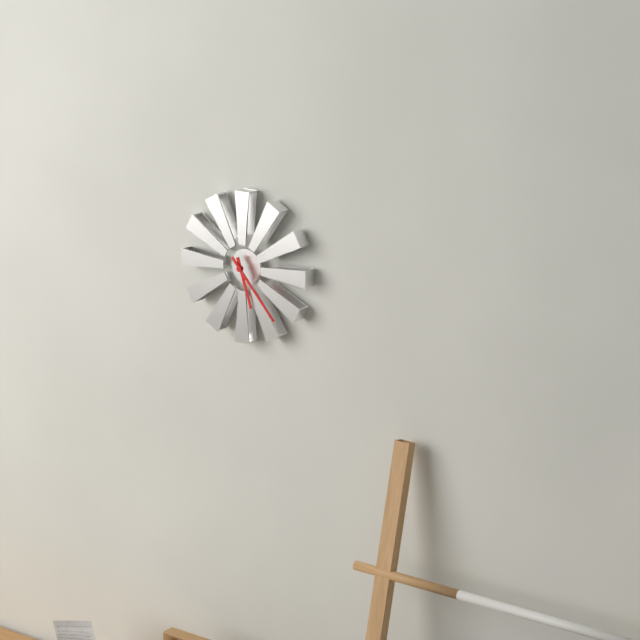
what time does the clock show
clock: 5:23
